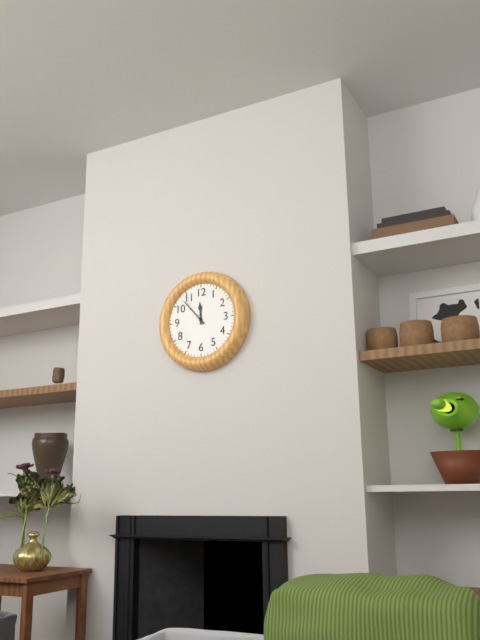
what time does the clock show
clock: 11:53
